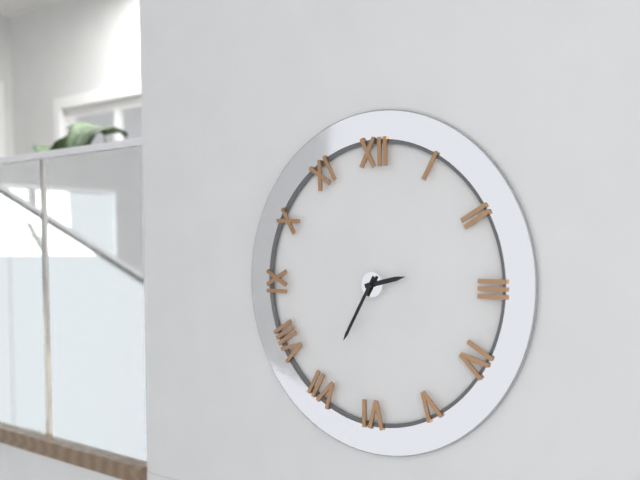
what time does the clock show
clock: 2:35
